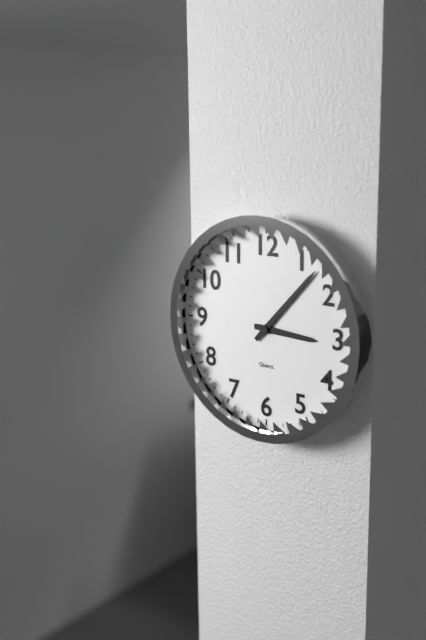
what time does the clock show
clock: 3:07
